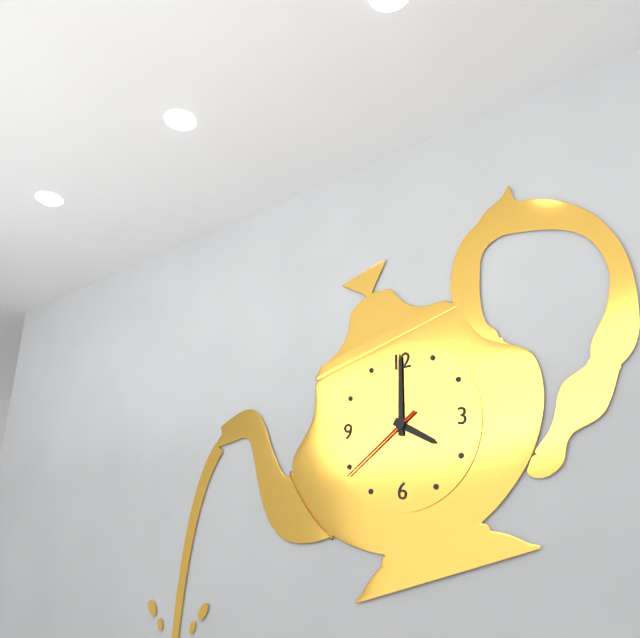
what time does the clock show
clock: 4:00:39
